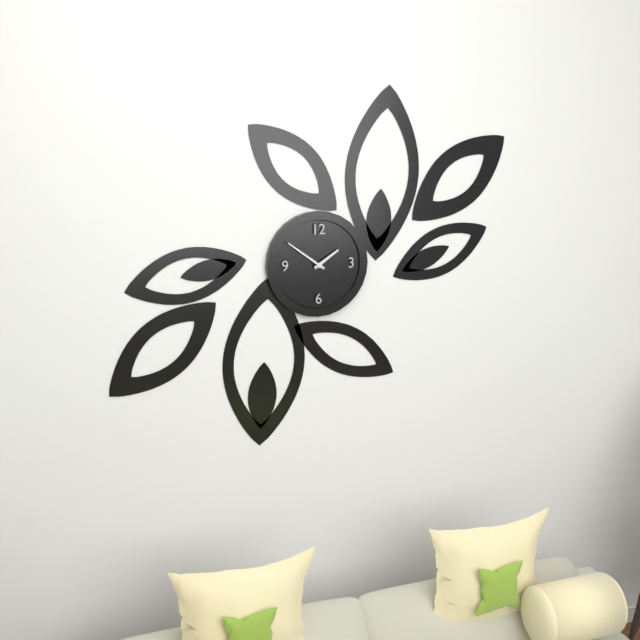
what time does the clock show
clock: 1:51
